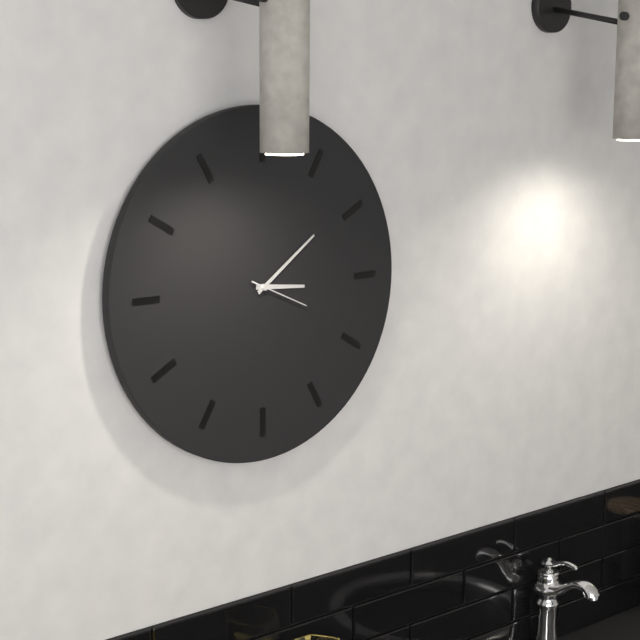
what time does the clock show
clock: 3:09:19
